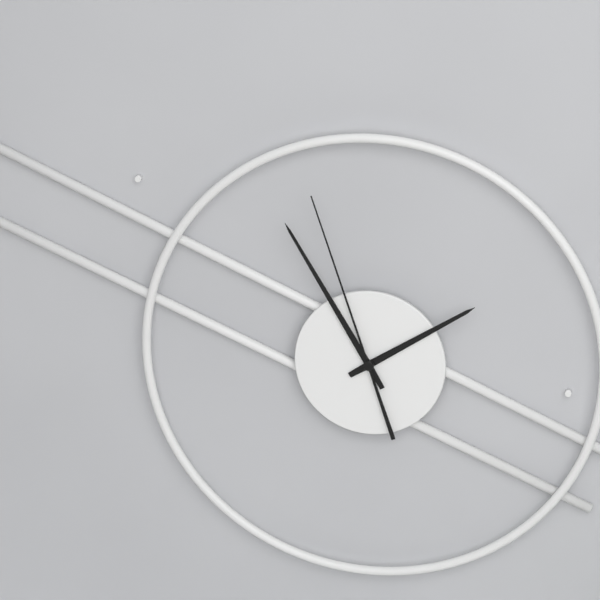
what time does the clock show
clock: 1:55:57
